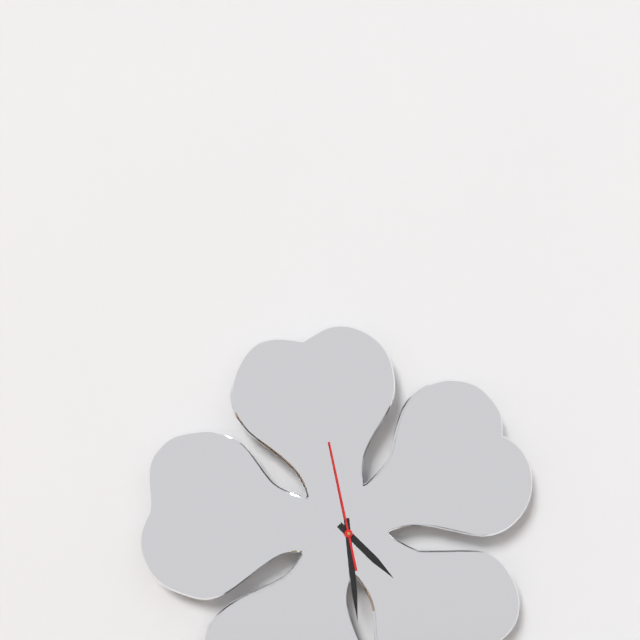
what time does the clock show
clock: 4:29:58
